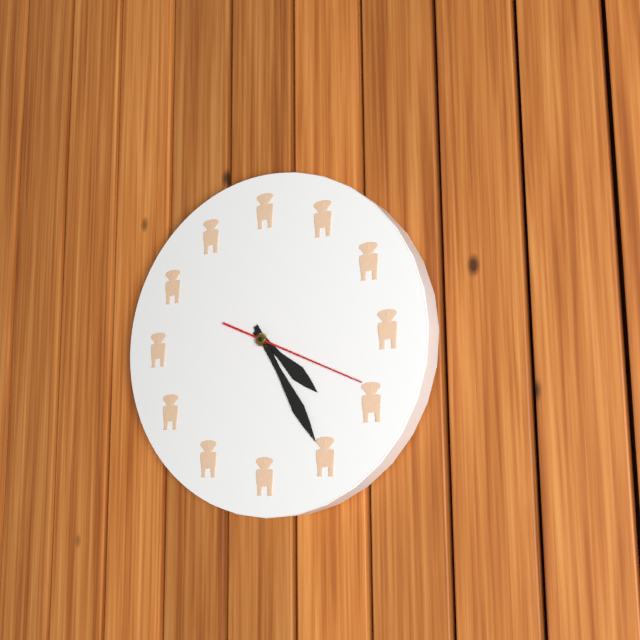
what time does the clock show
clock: 4:25:19
